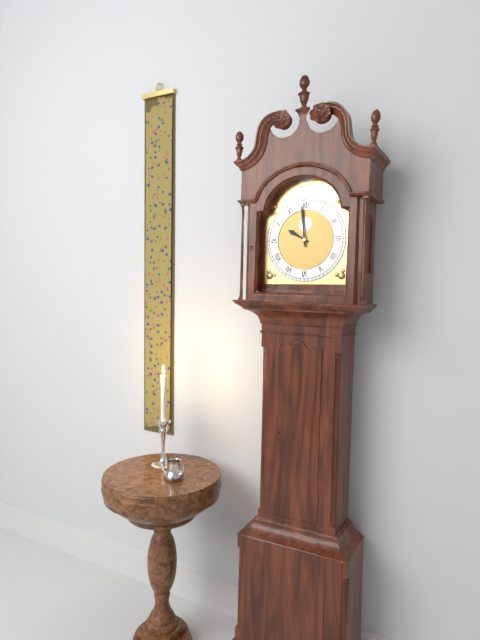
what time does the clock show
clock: 9:59
